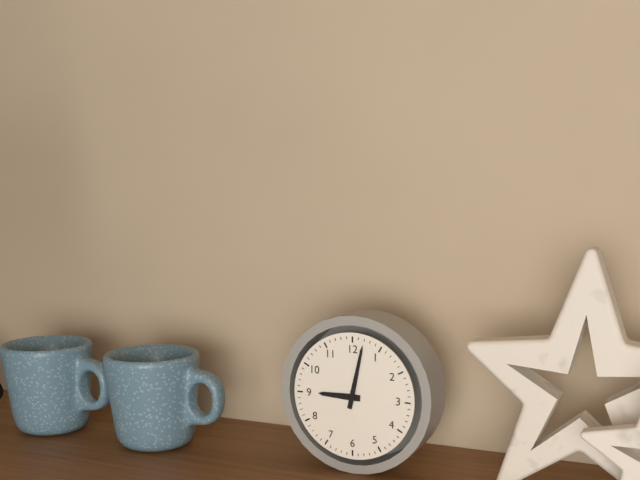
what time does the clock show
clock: 9:02
